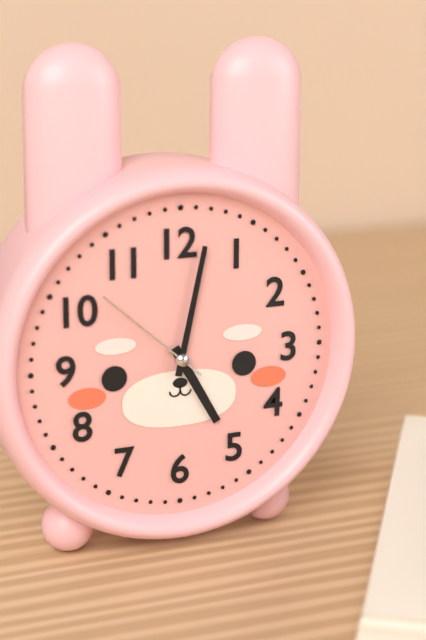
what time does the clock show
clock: 5:02:52
